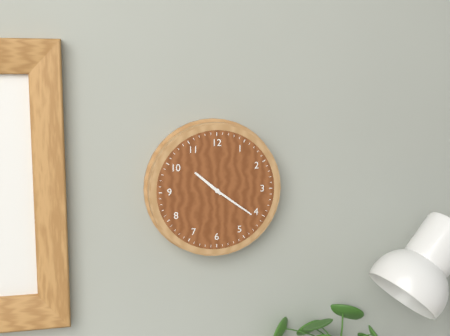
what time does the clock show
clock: 10:21
